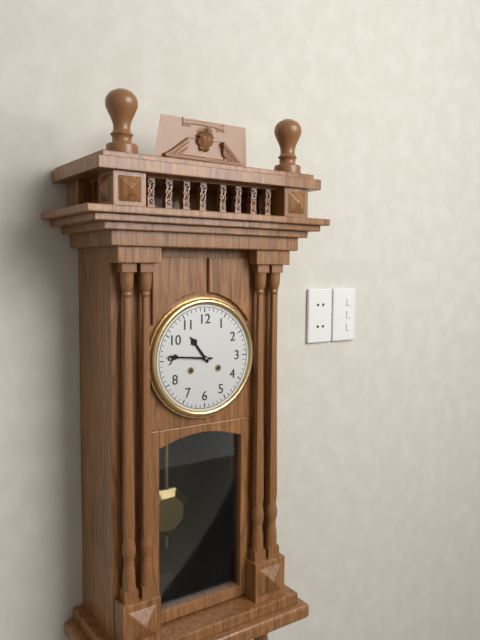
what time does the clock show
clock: 10:46
